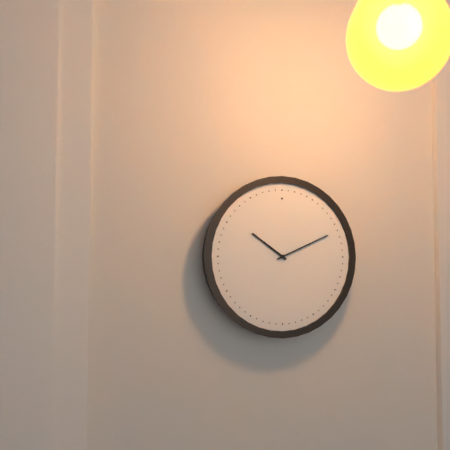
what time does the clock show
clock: 10:11
